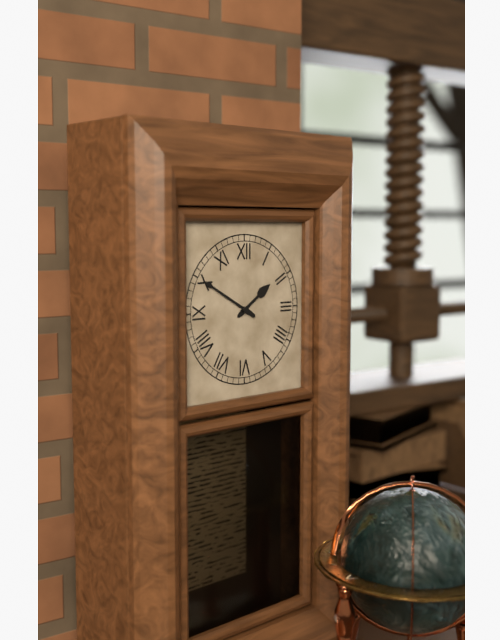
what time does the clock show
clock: 1:50
